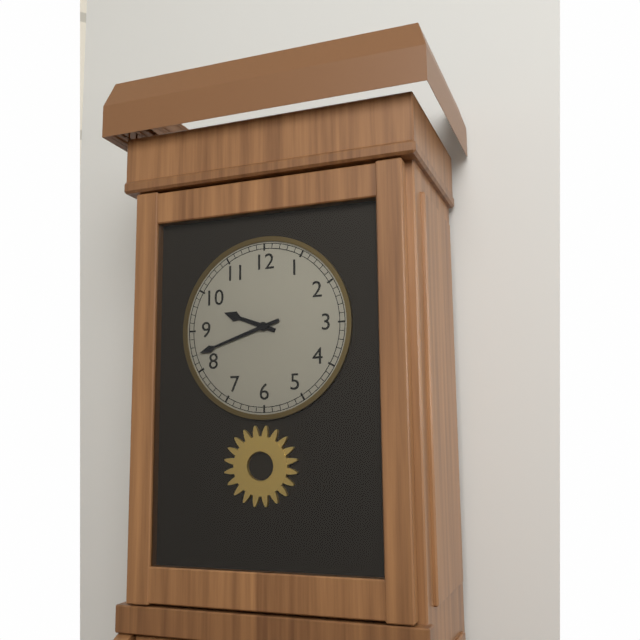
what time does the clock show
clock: 9:42
